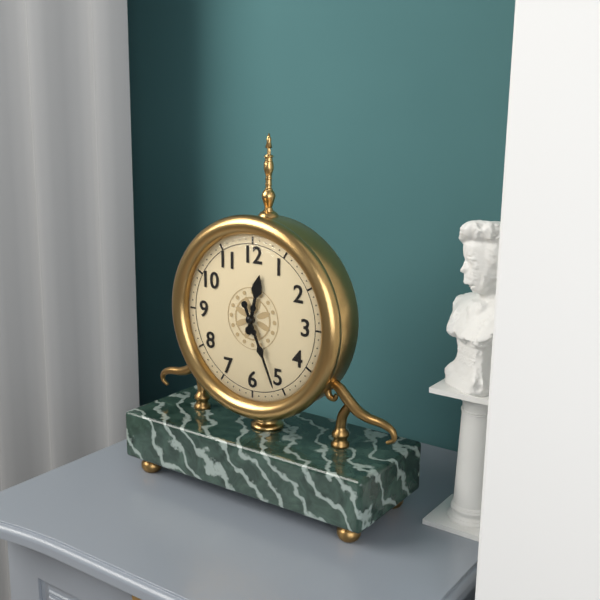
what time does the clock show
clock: 12:26
